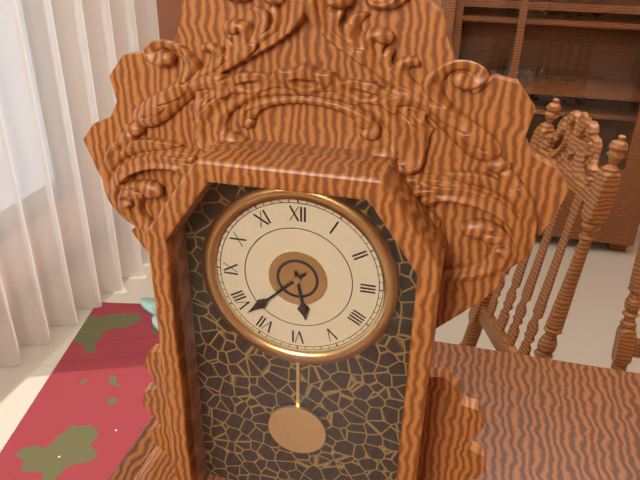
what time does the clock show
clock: 5:38
